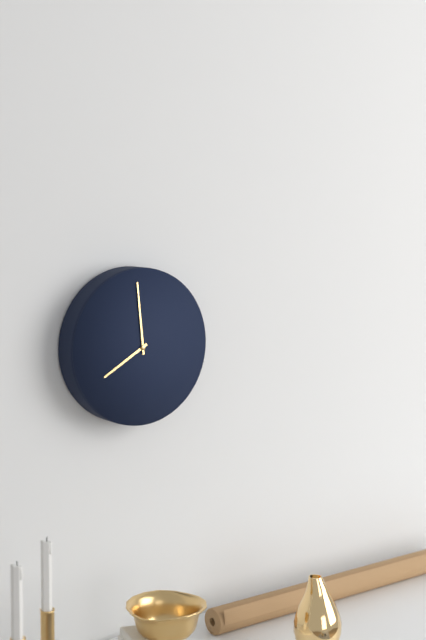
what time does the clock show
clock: 7:59
